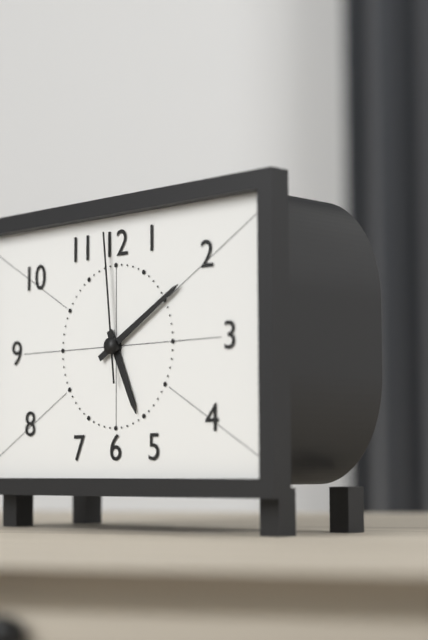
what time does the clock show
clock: 5:10:59
